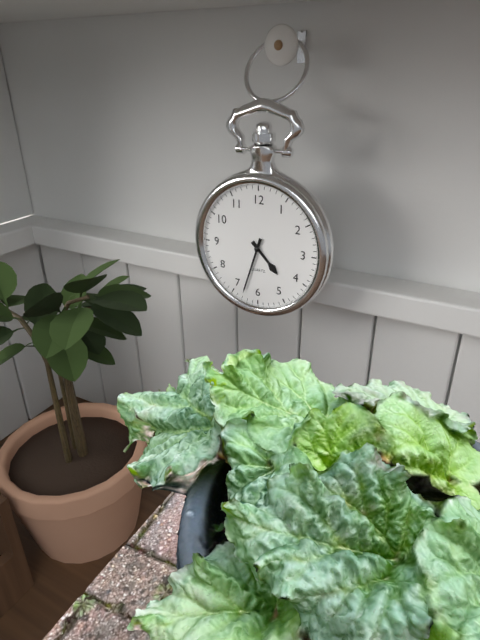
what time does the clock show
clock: 4:33
